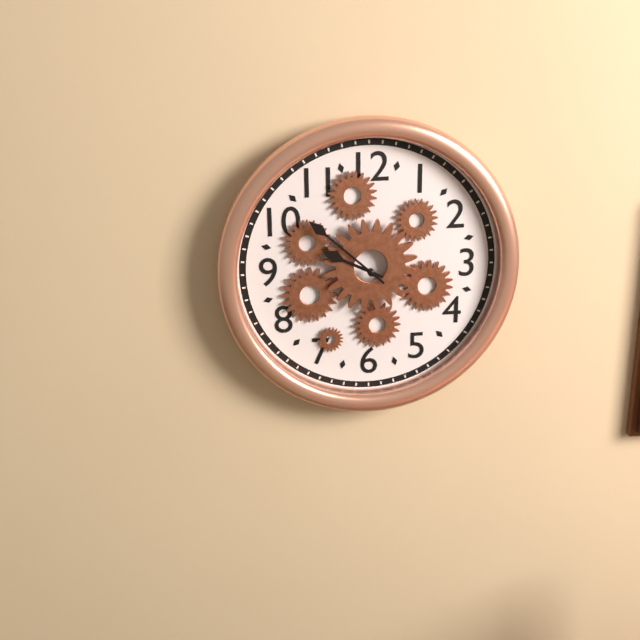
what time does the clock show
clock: 9:52
